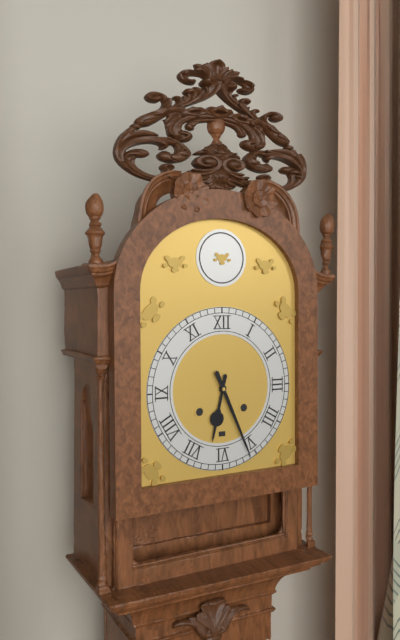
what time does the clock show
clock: 6:26
